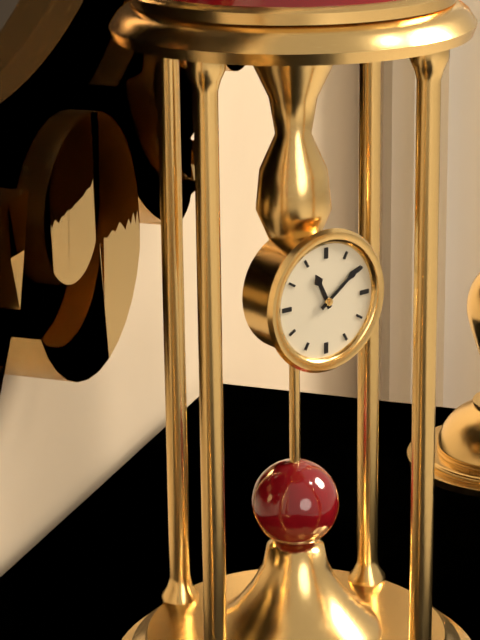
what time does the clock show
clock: 11:09
